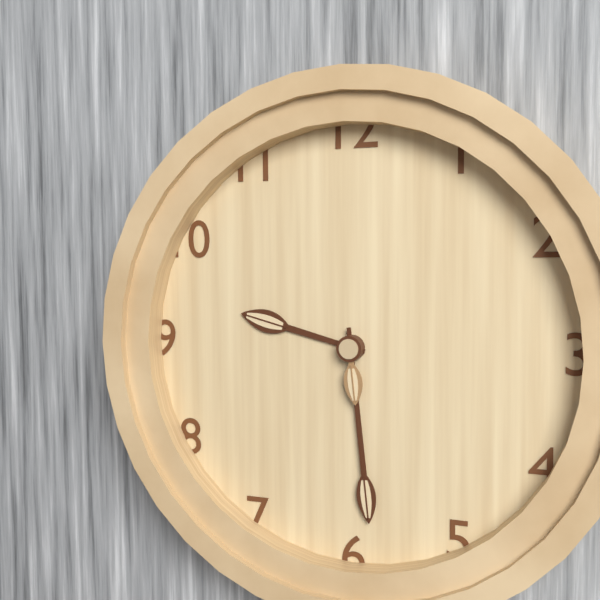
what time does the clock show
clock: 9:29:29
